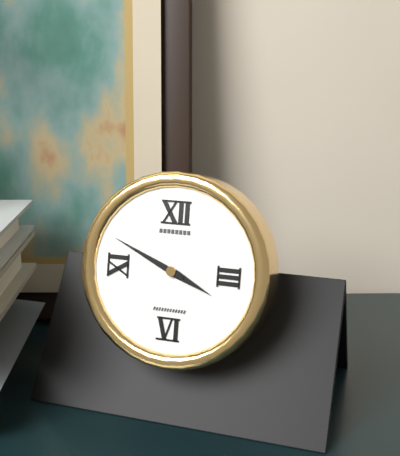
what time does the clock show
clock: 3:49
